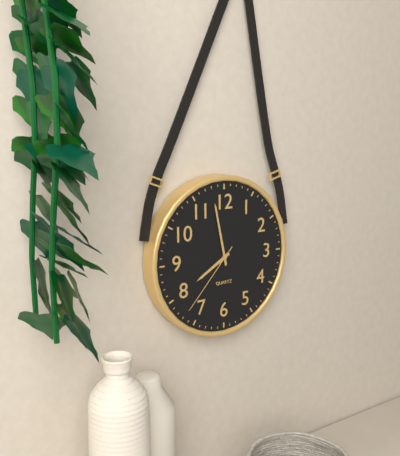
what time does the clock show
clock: 7:58:37
